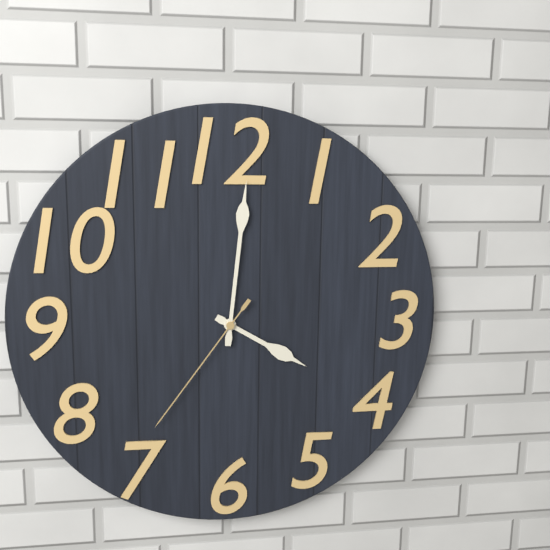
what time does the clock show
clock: 4:01:36
